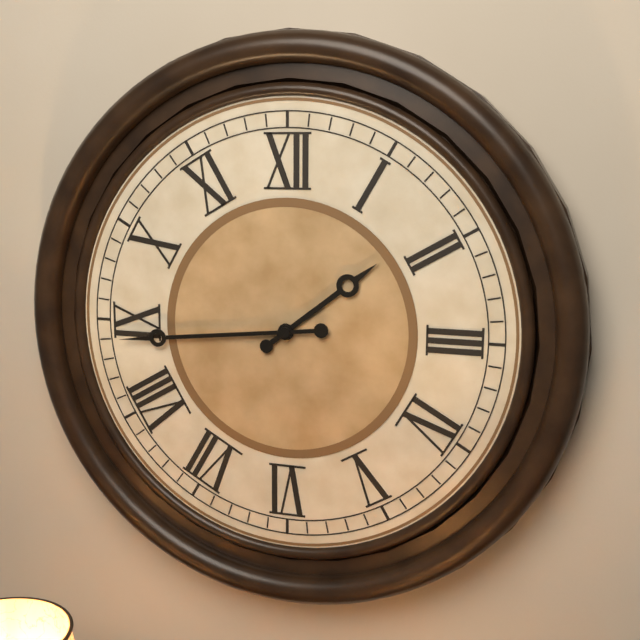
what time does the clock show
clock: 1:44
